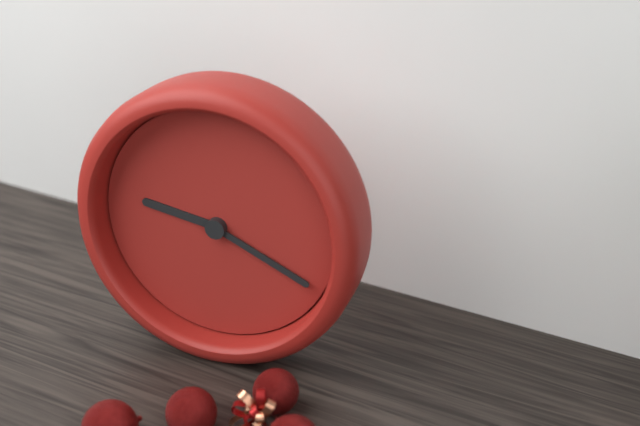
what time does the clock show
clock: 9:19
